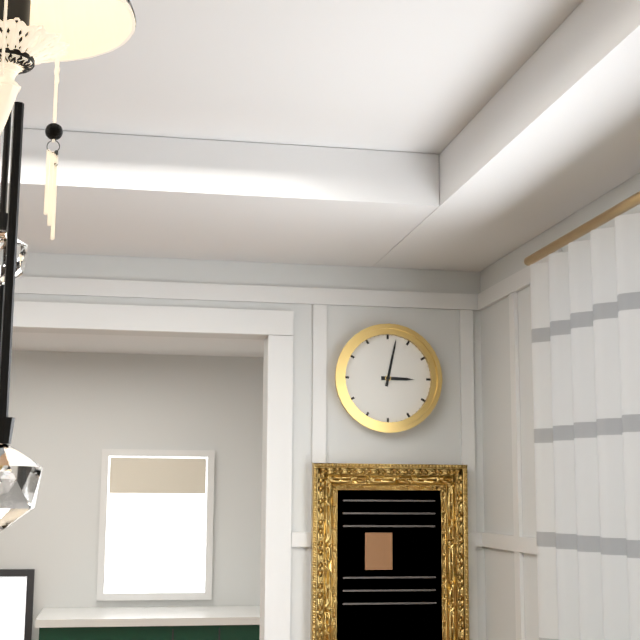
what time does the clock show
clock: 3:02
